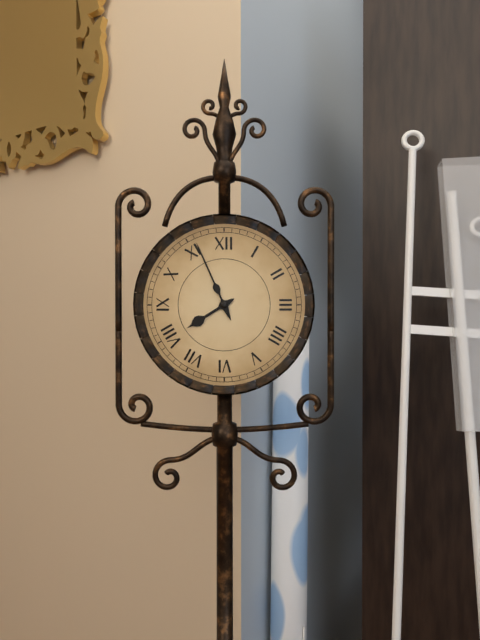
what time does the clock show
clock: 7:56
